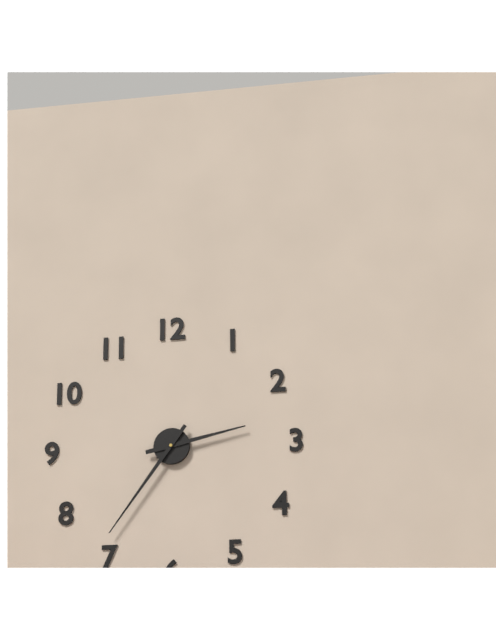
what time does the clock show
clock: 2:36
